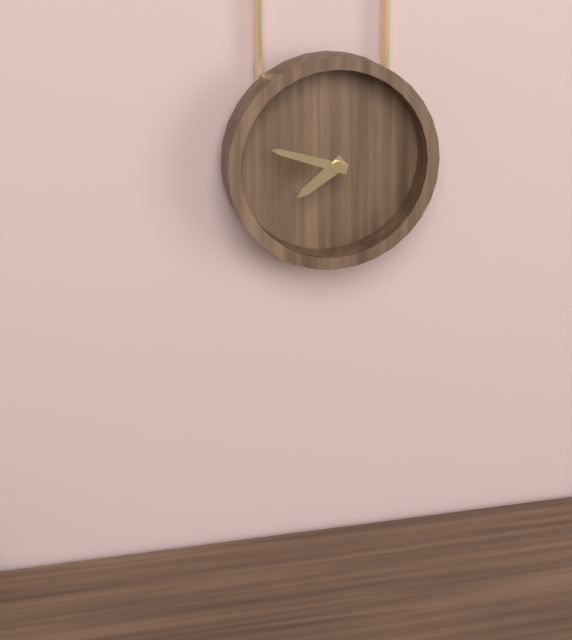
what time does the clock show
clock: 7:48
